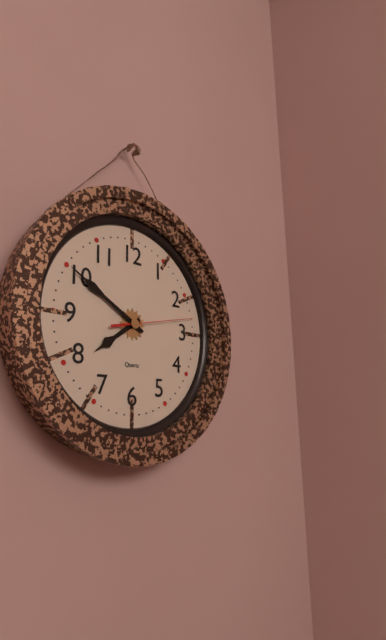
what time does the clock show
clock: 7:50:13
